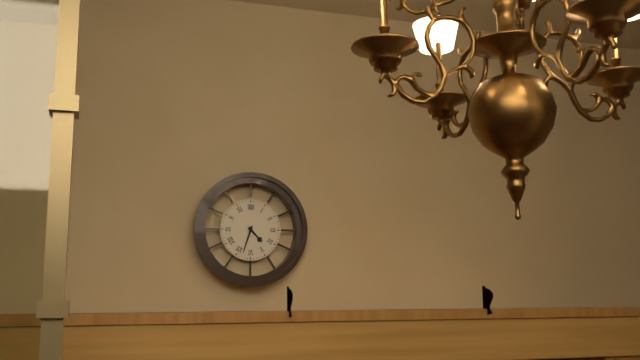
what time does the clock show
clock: 4:33
